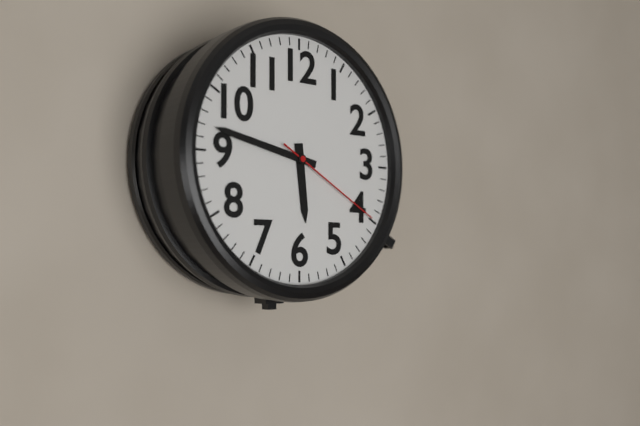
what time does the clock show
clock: 5:47:20
